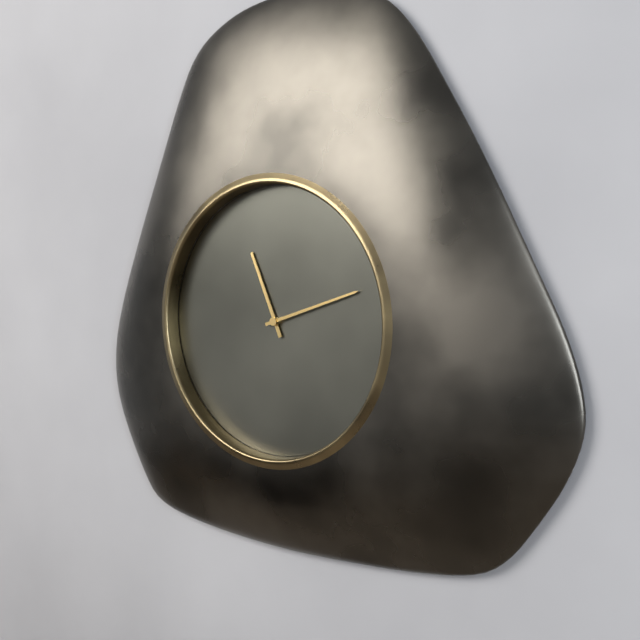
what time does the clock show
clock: 11:12
